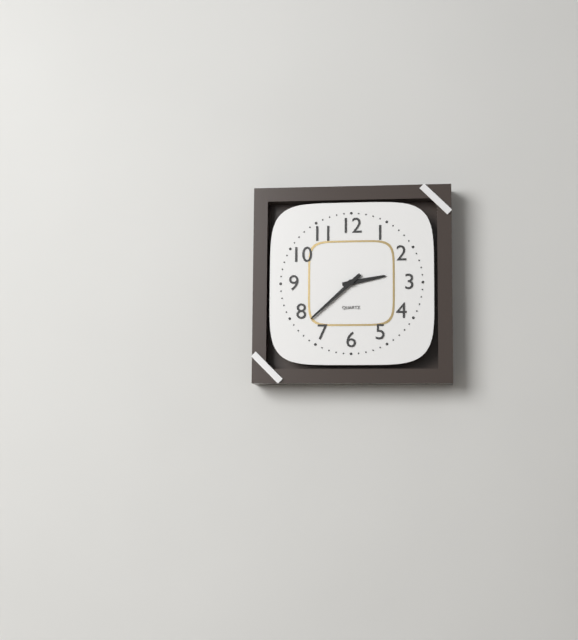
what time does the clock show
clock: 2:38
